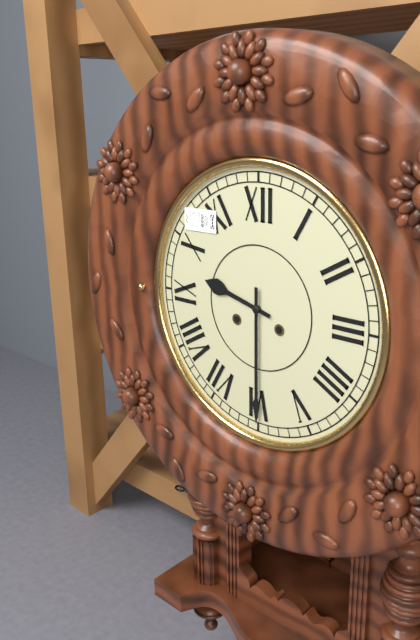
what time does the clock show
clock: 9:30
